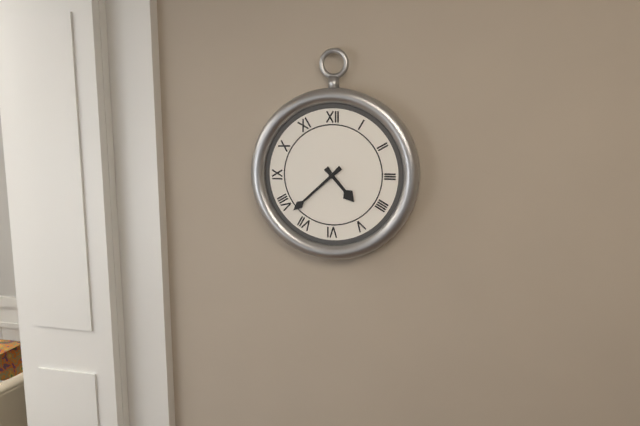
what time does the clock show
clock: 4:38
